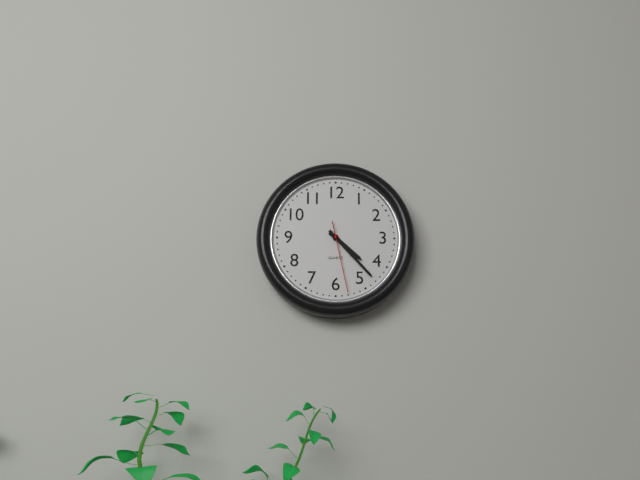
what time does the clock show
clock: 4:23:28
